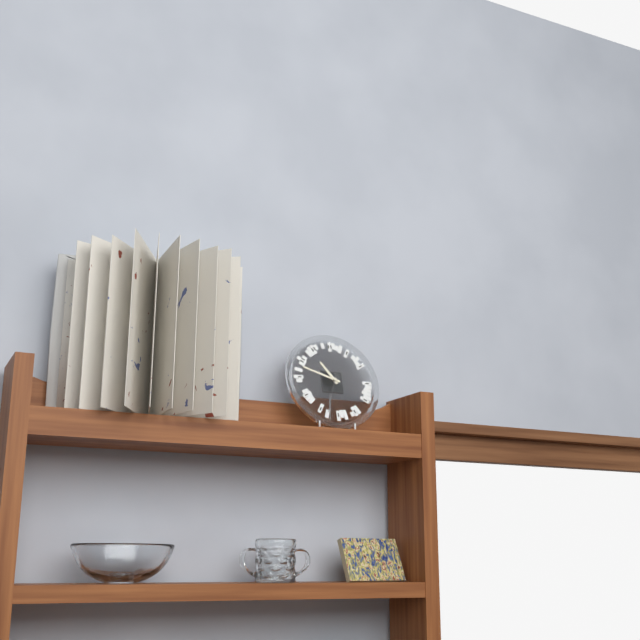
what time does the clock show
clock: 10:48
